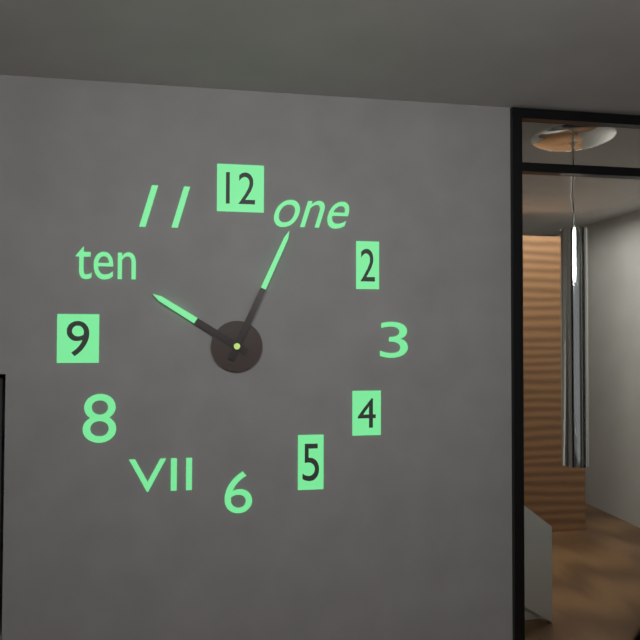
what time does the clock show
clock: 10:04
